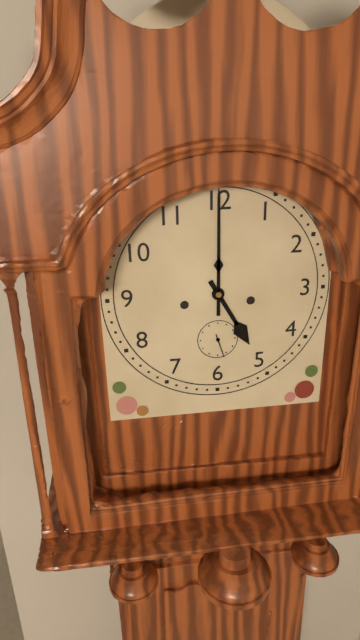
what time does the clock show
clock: 5:00
